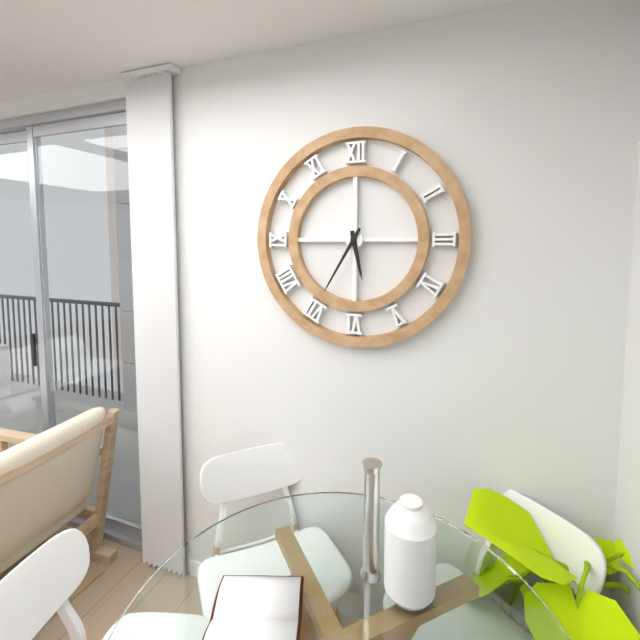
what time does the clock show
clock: 5:35
